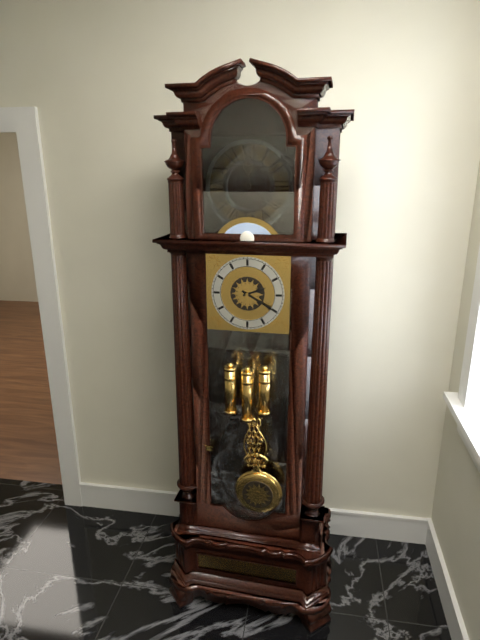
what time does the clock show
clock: 2:20
